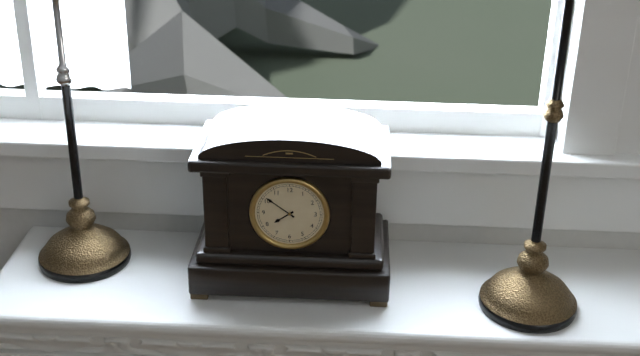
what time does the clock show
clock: 7:51
